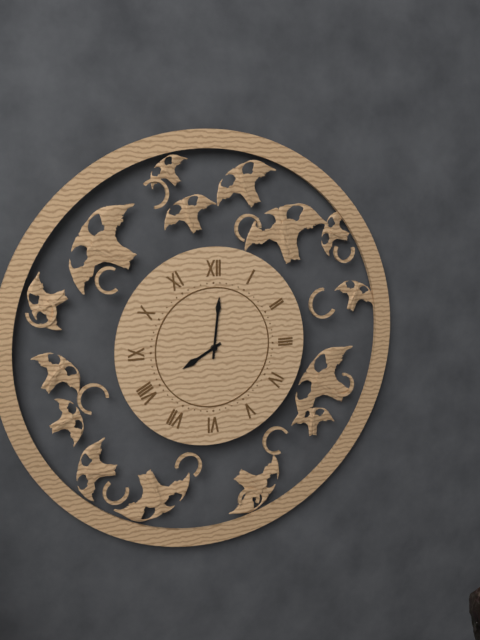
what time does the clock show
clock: 8:01
